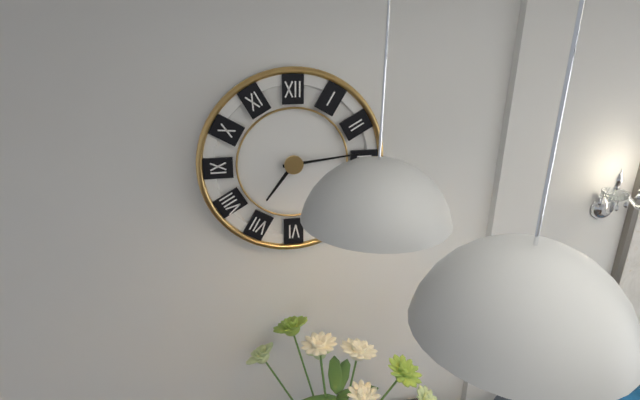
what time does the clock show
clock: 7:14
